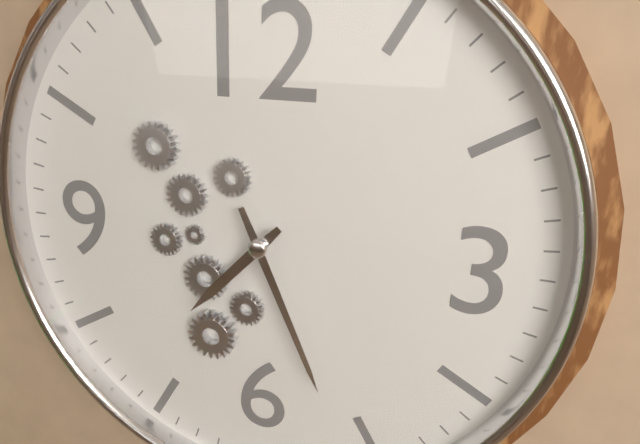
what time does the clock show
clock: 7:26
